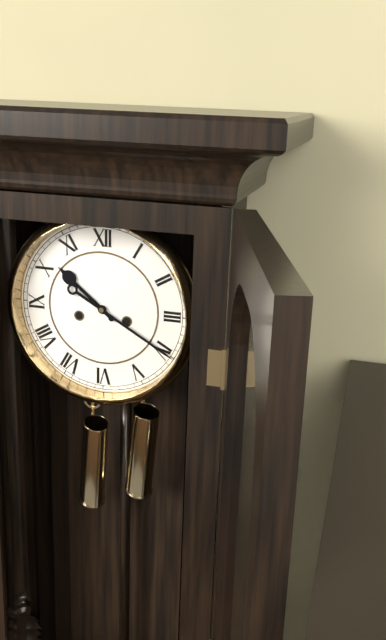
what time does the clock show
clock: 10:20
